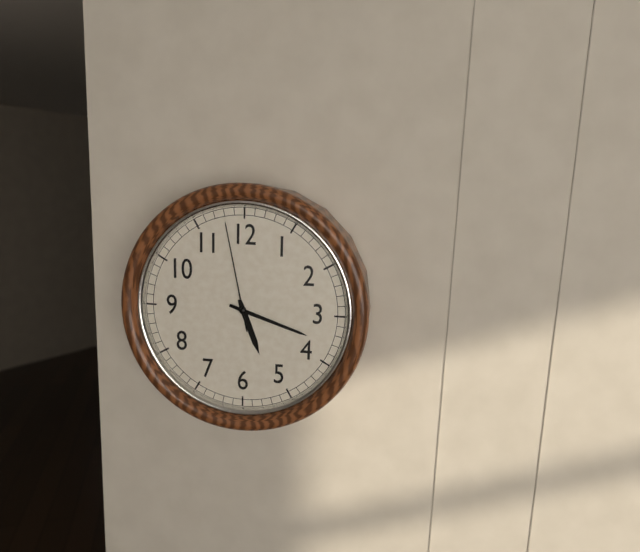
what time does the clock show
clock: 5:18:58
